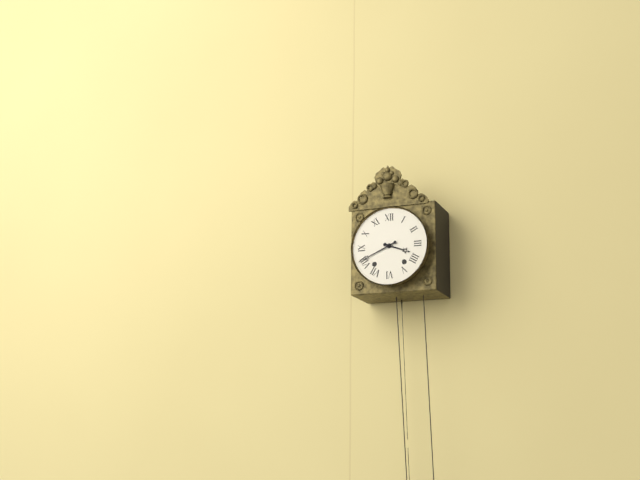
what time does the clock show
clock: 3:41
